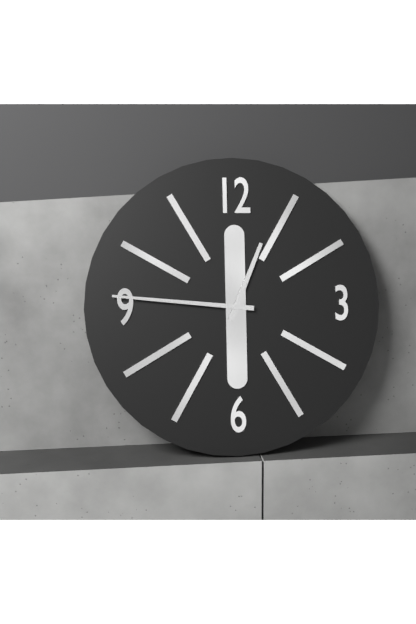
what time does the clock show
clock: 12:46
